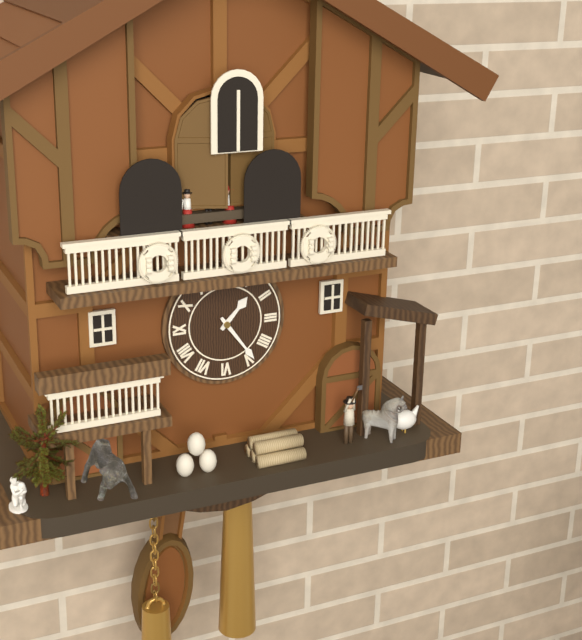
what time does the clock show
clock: 1:24
